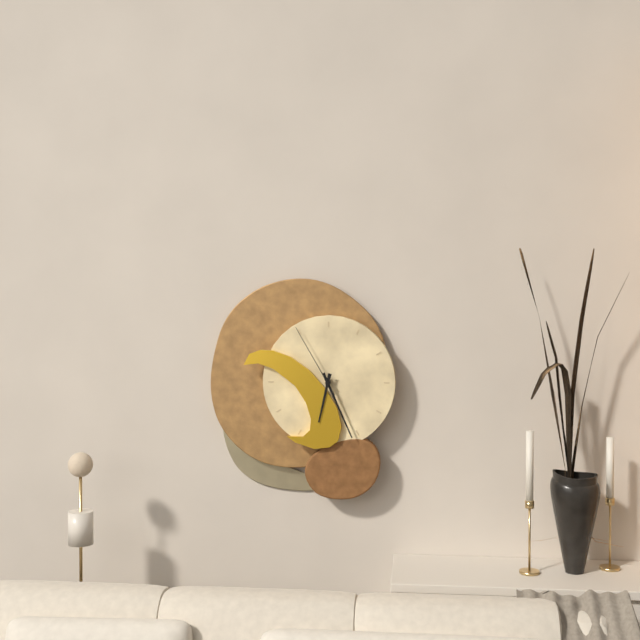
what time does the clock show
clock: 6:26:55
